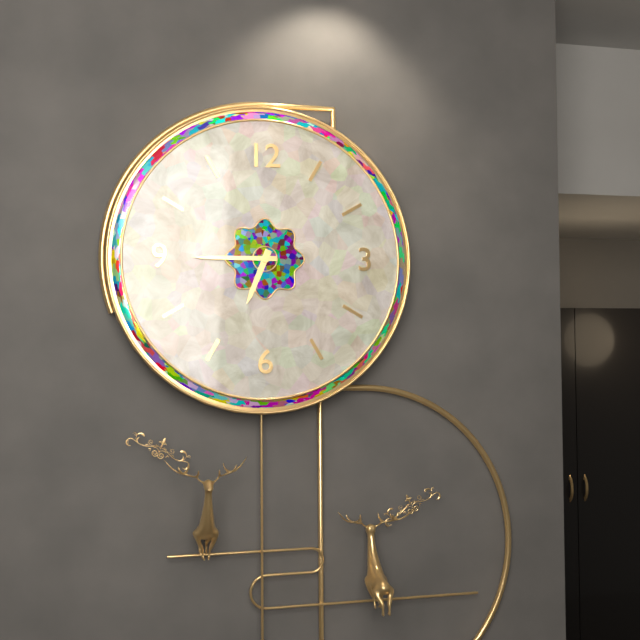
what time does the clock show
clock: 6:45
